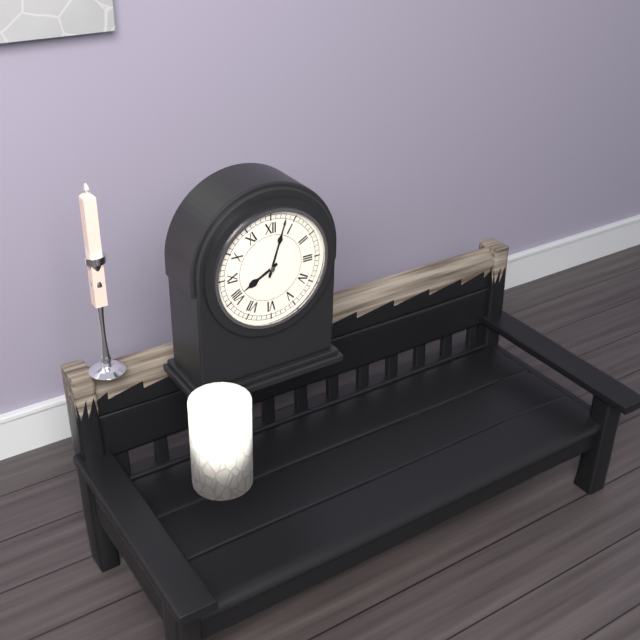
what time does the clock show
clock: 8:03
